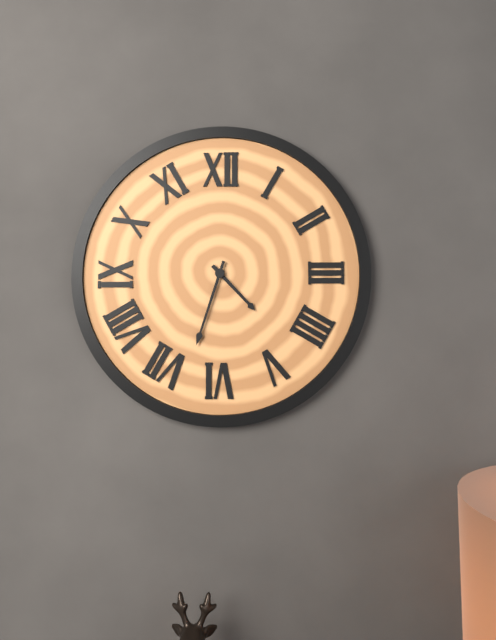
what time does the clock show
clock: 4:33
